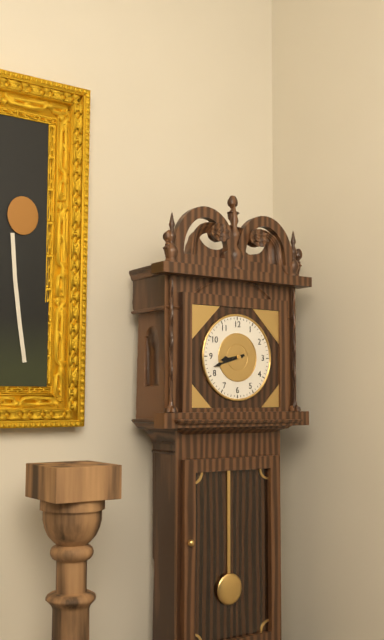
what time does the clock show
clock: 8:42
